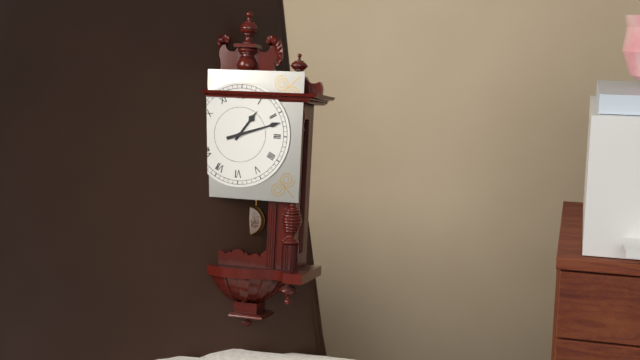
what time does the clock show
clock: 1:12
